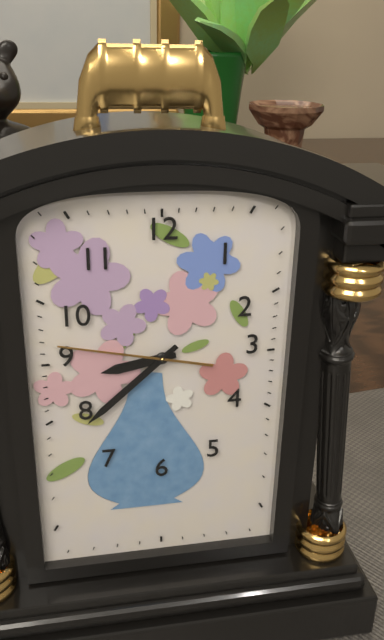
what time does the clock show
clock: 8:38:47
